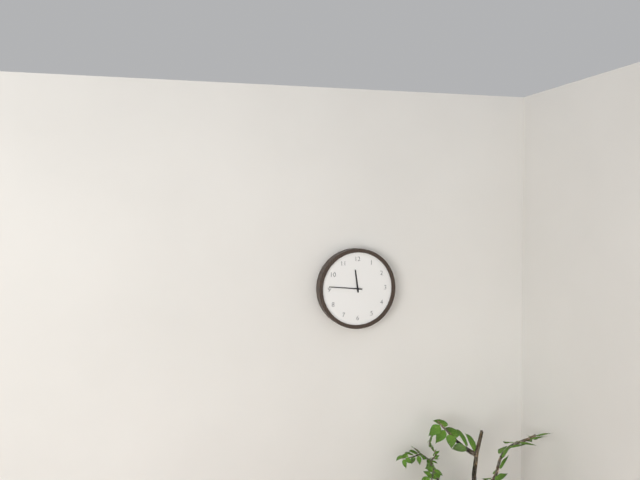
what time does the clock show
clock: 11:46
